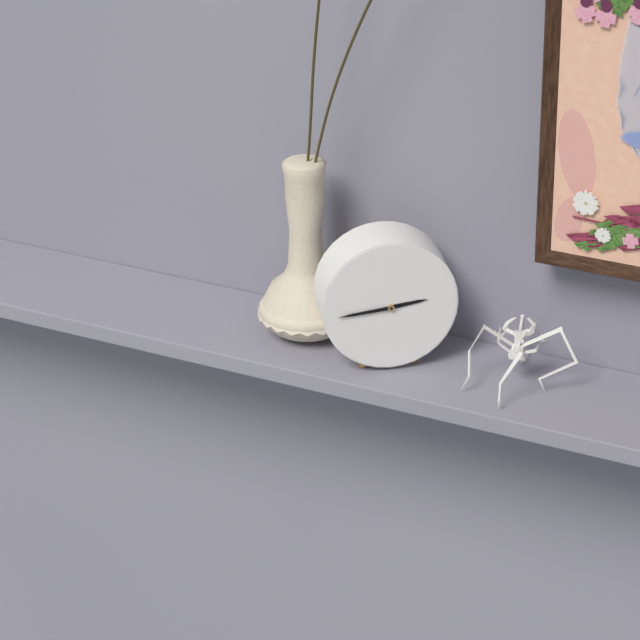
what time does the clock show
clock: 2:44
